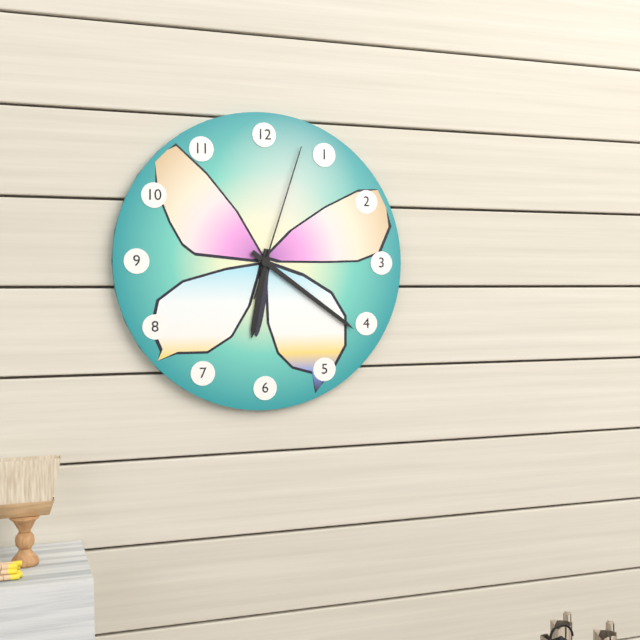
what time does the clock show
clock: 6:21:03
